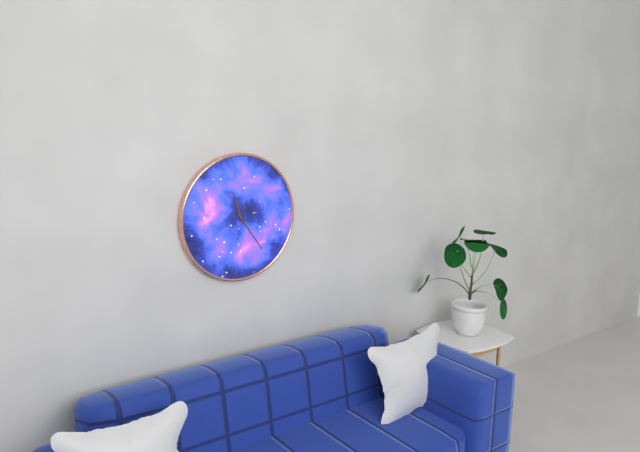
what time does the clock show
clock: 11:24
